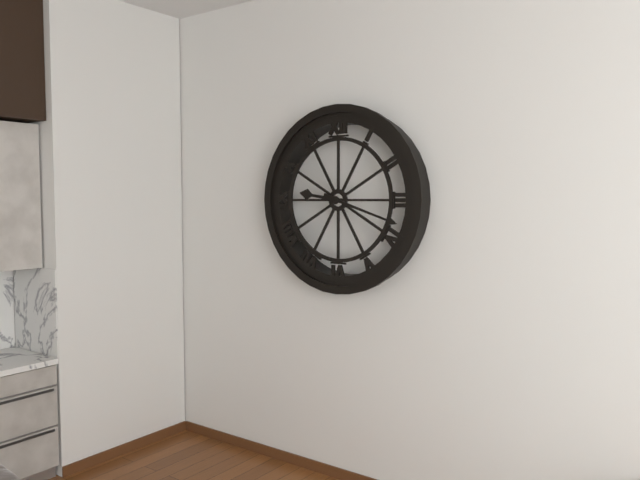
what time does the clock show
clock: 9:18
